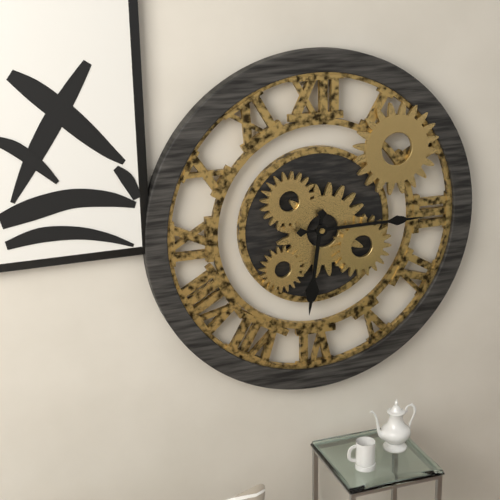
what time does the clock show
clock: 6:15
